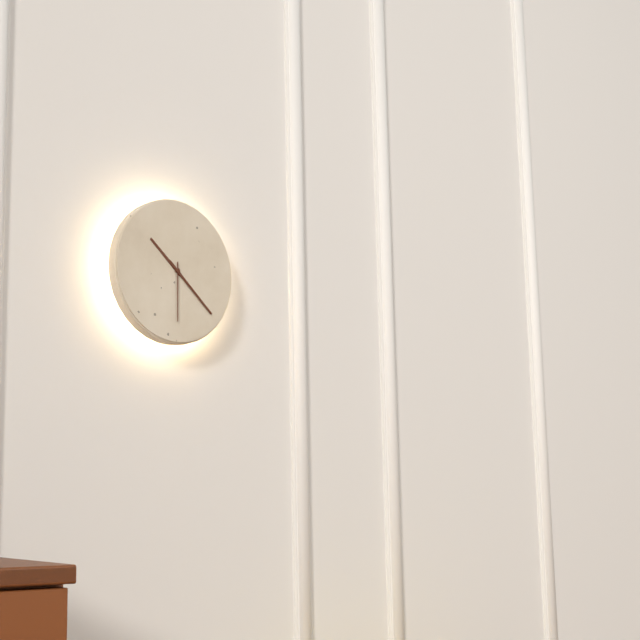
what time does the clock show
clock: 10:22:30
